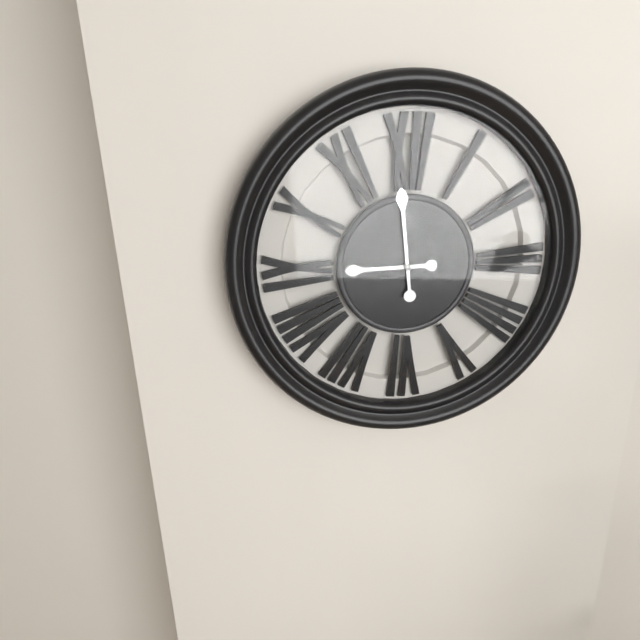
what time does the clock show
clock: 8:59
